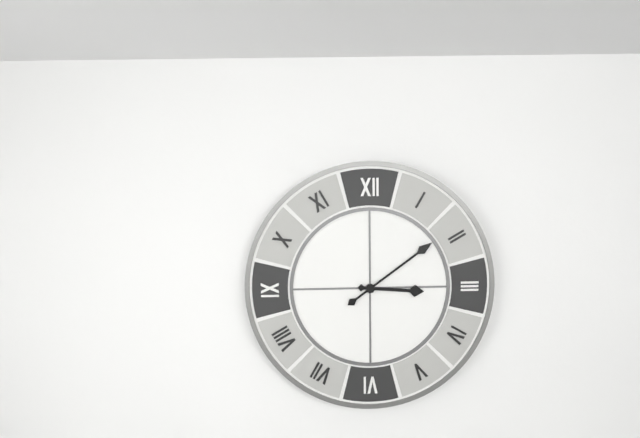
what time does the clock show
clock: 3:09
